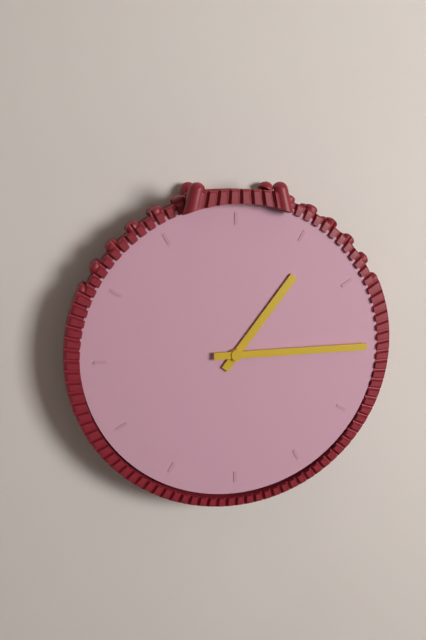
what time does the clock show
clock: 1:15
